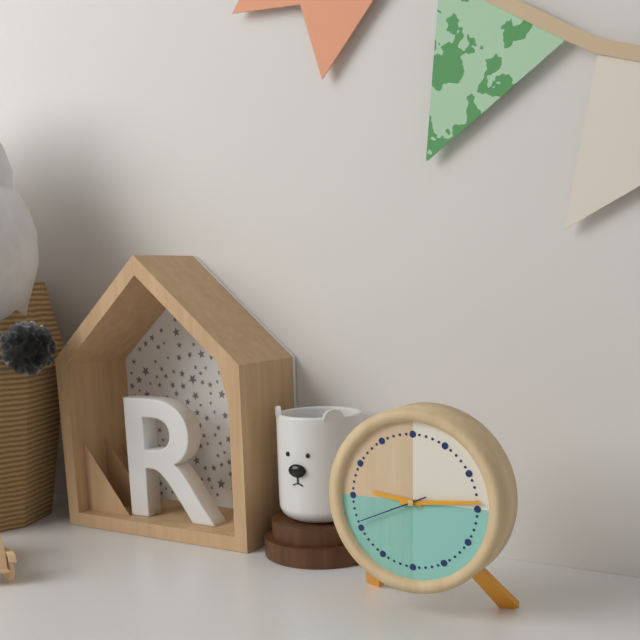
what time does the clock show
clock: 9:14:41
